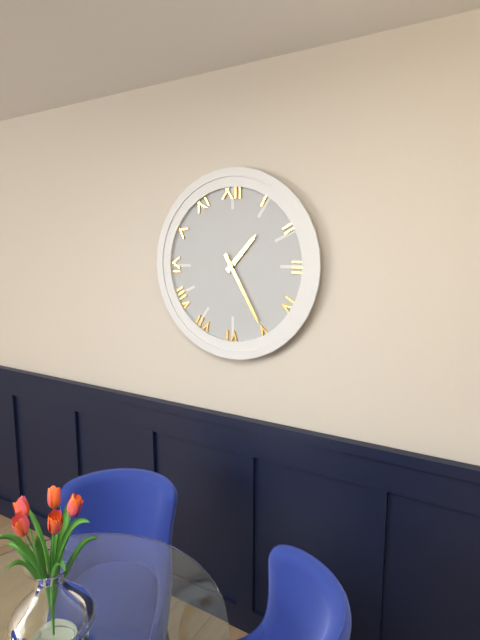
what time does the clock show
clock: 1:25
